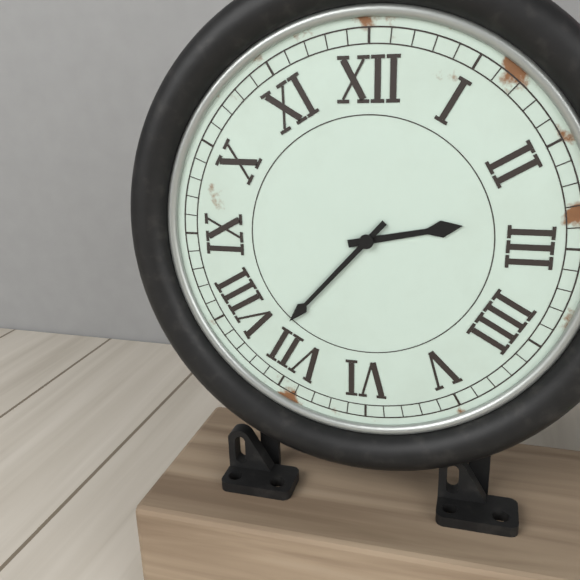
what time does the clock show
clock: 2:37
